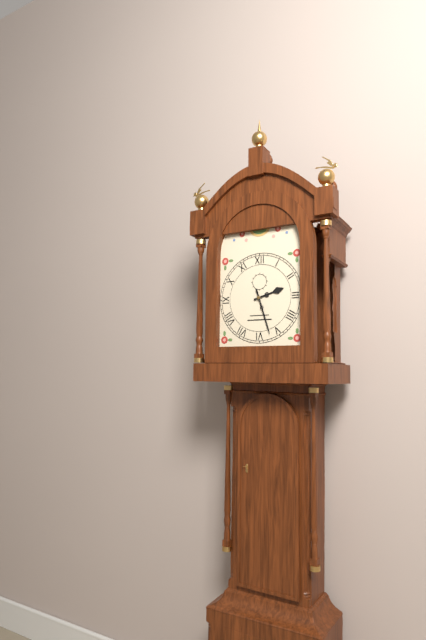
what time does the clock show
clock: 2:27
